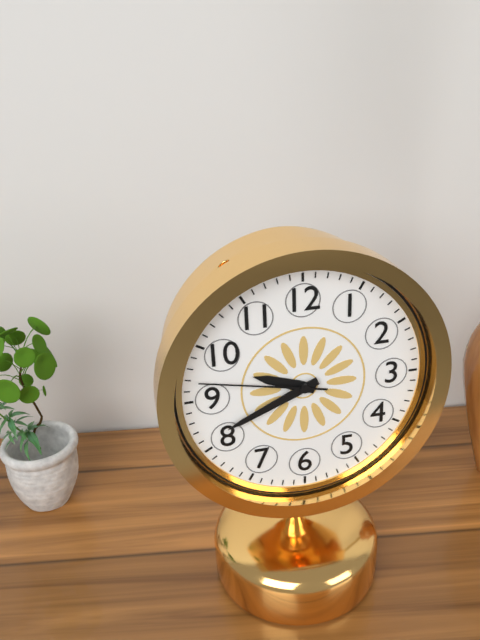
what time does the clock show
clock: 9:41:47
